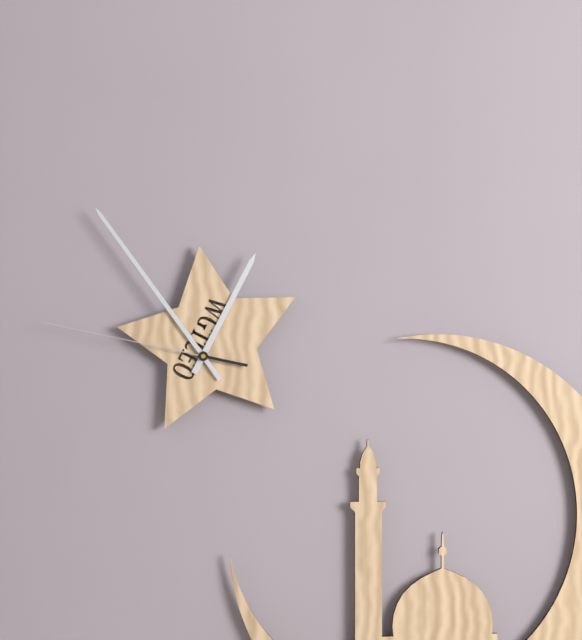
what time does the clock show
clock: 12:54:47
